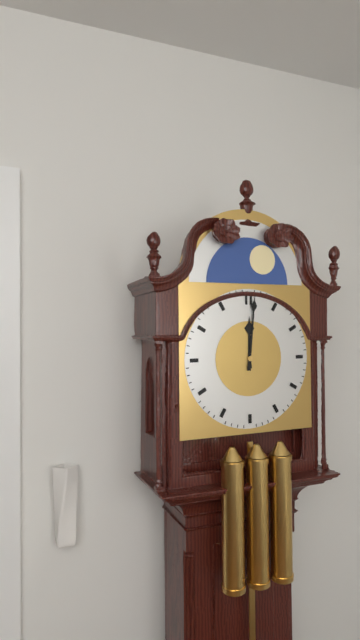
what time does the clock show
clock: 12:01
